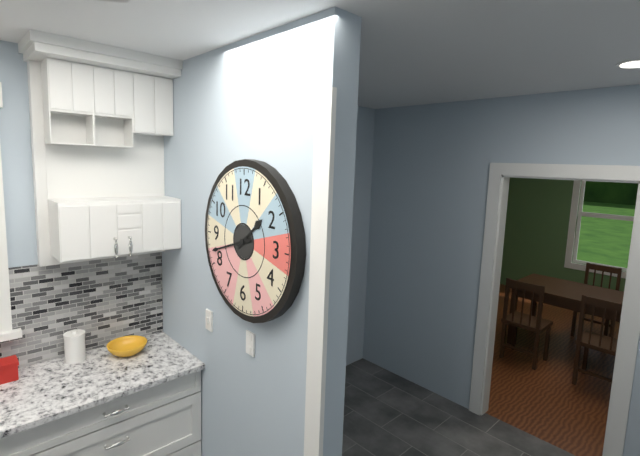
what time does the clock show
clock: 1:42
